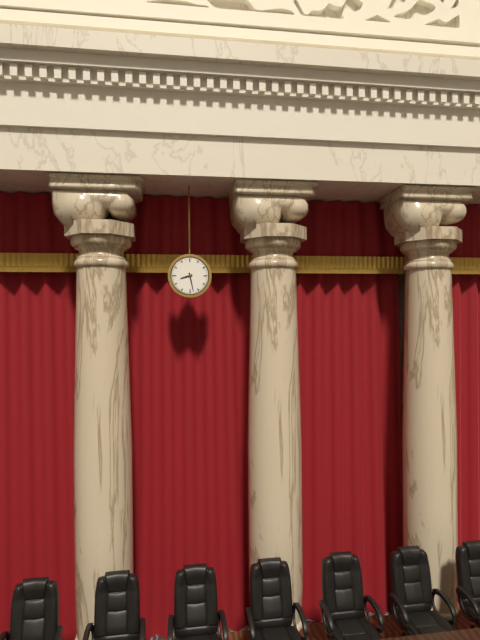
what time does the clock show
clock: 8:28
